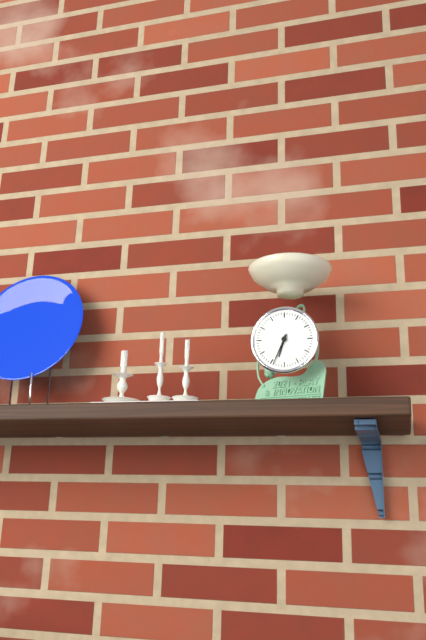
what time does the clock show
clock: 6:34
